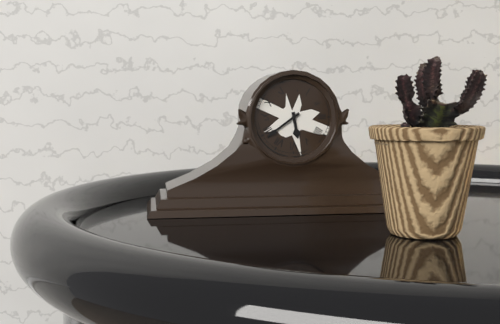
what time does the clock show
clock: 5:39
